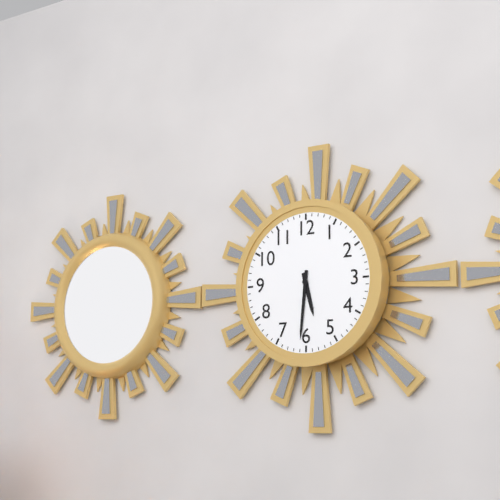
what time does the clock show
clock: 5:31
